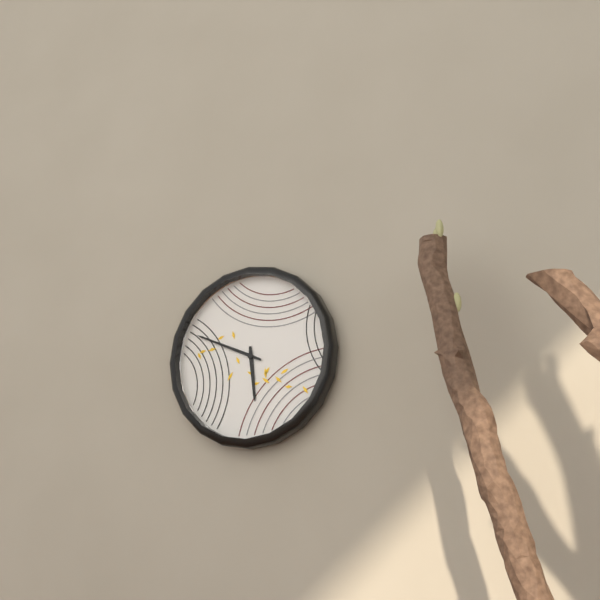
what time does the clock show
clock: 5:49
